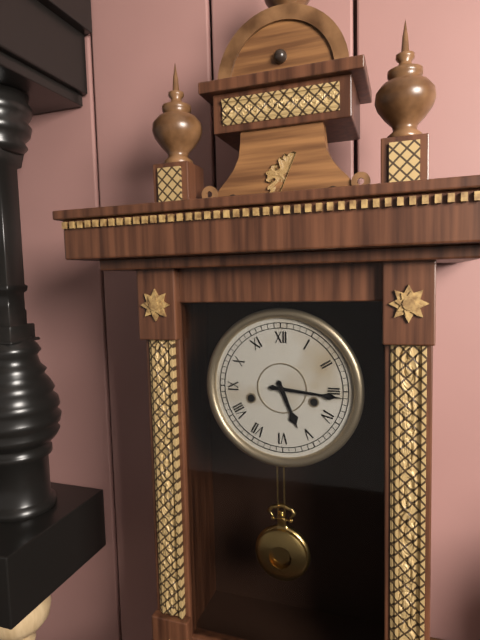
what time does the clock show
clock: 5:16
